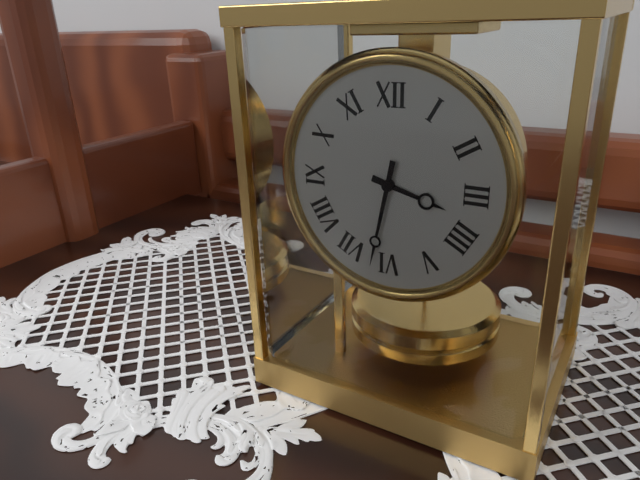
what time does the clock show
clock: 3:32
